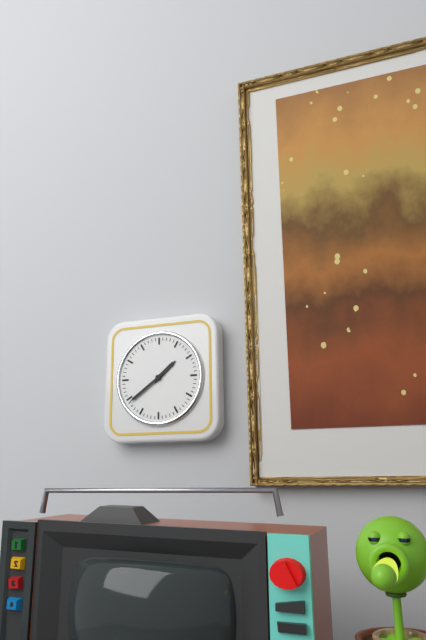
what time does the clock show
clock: 1:39
